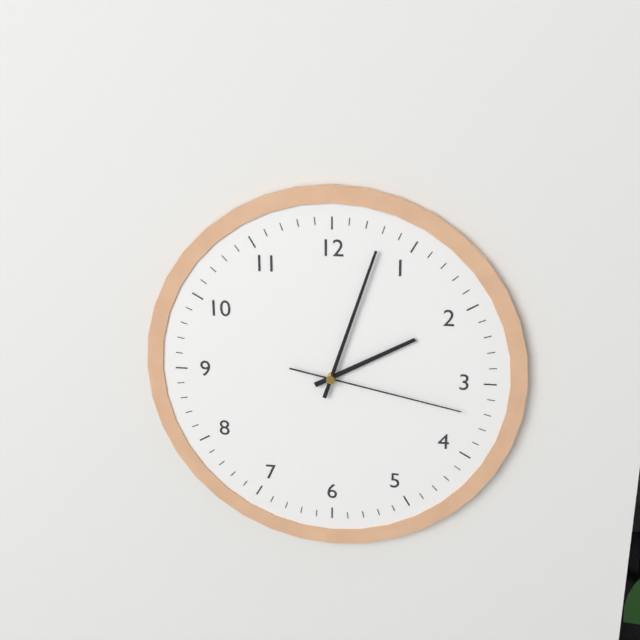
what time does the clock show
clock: 2:03:17
